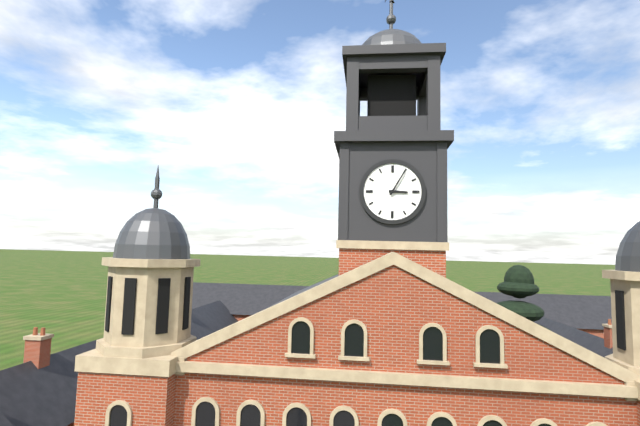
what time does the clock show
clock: 3:05
